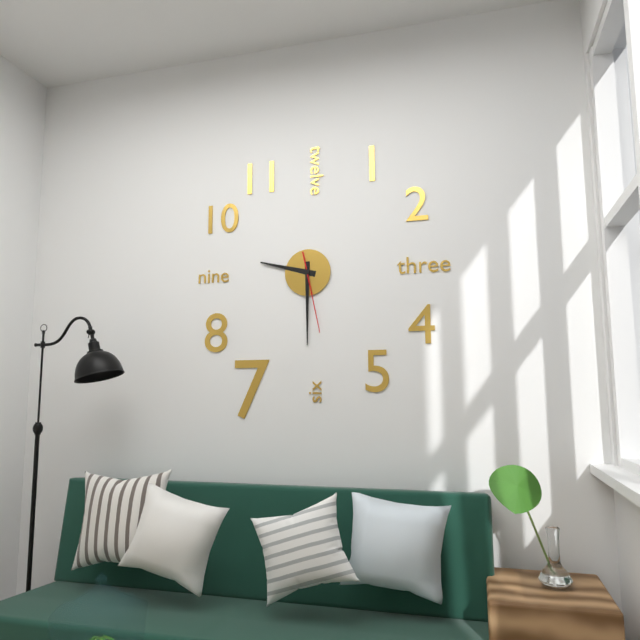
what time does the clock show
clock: 9:30:28
